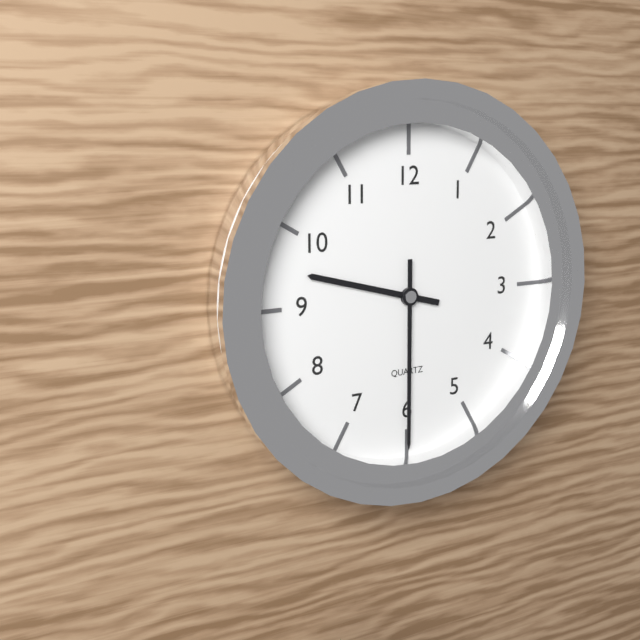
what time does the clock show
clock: 9:30
